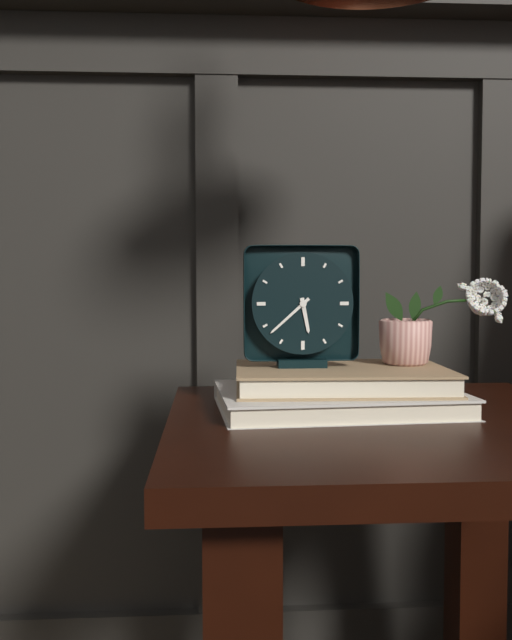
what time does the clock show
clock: 5:38
